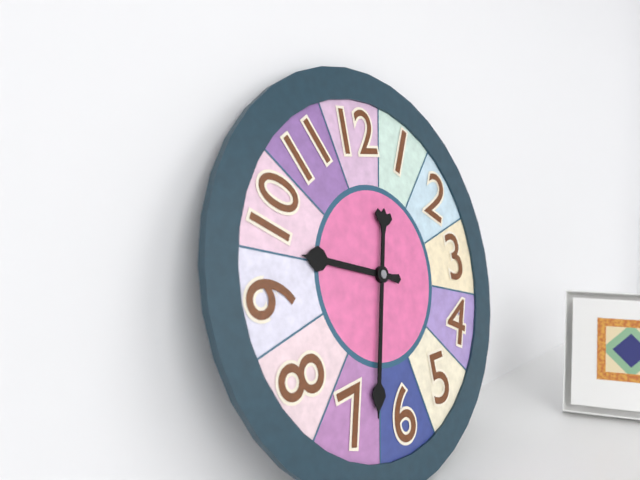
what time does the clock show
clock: 9:33
